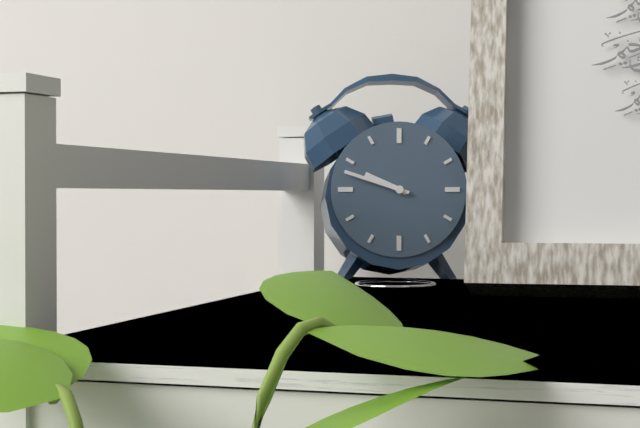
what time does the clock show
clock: 9:48
